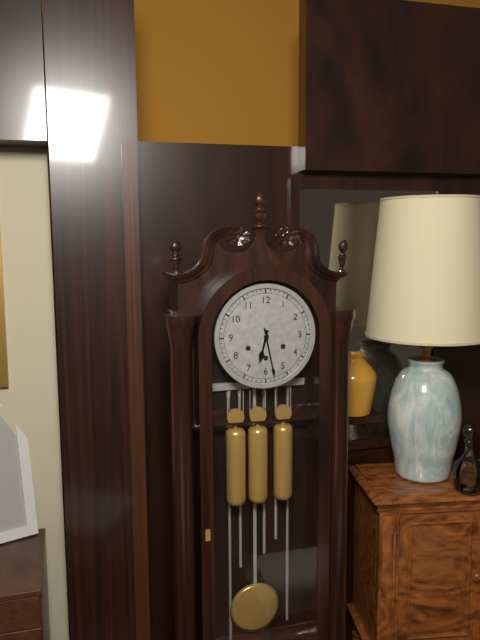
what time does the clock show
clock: 6:28
